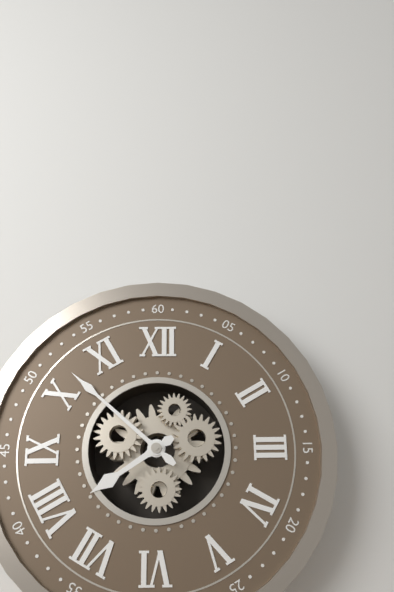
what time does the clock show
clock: 7:52
